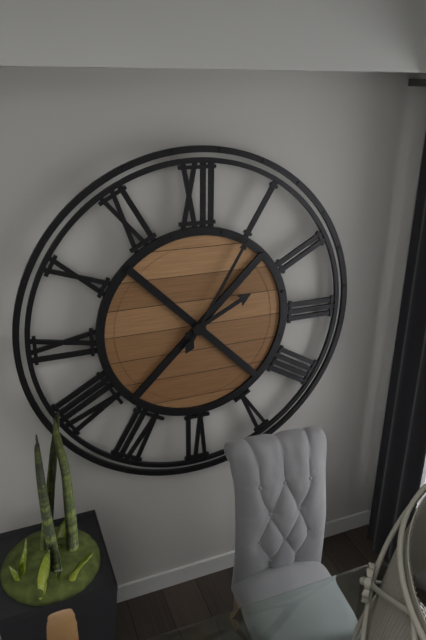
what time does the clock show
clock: 2:05
